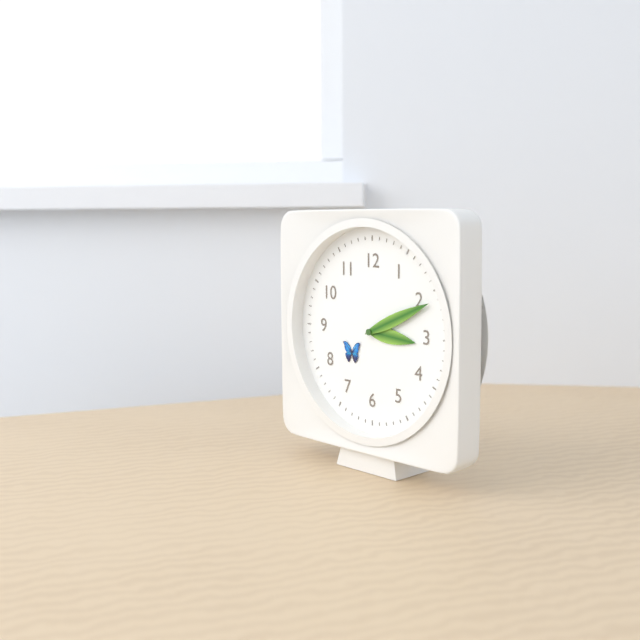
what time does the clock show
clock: 3:11
